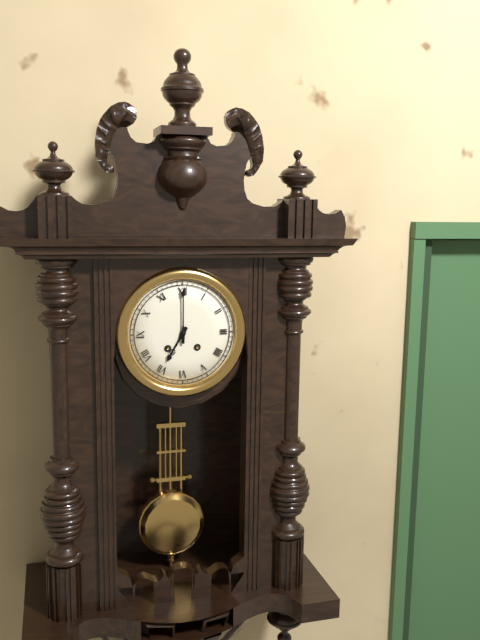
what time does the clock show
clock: 7:00
